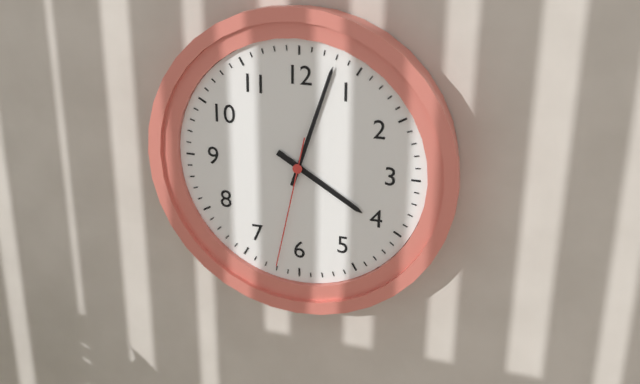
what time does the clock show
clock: 4:03:32
